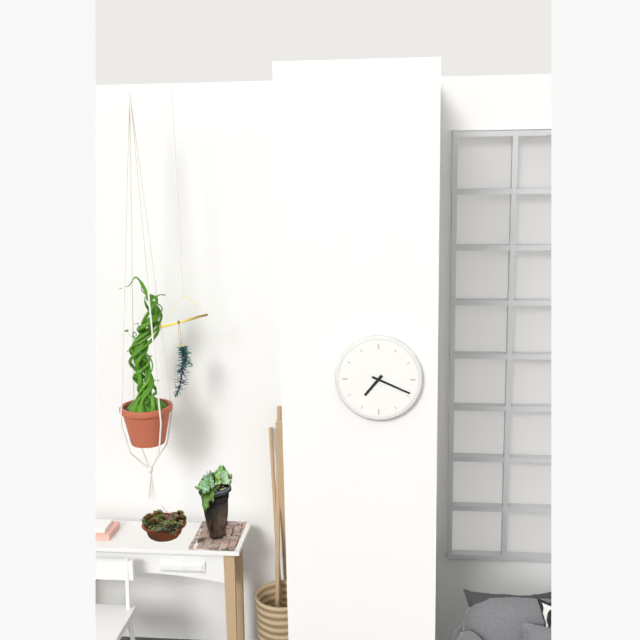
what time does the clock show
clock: 7:19
